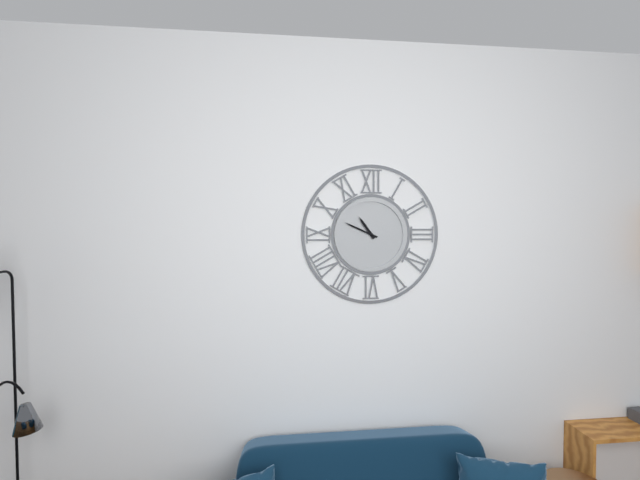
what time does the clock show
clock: 10:49
